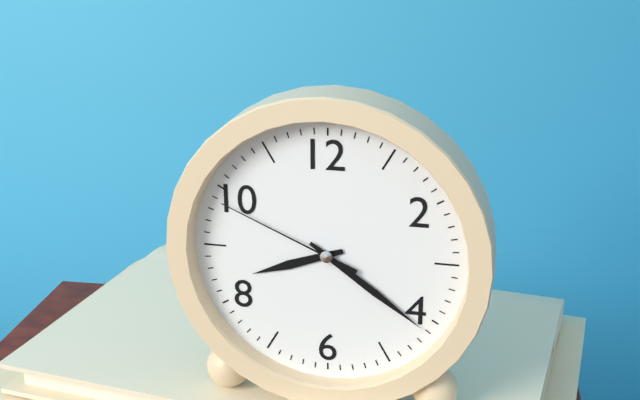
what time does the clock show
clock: 8:21:49
